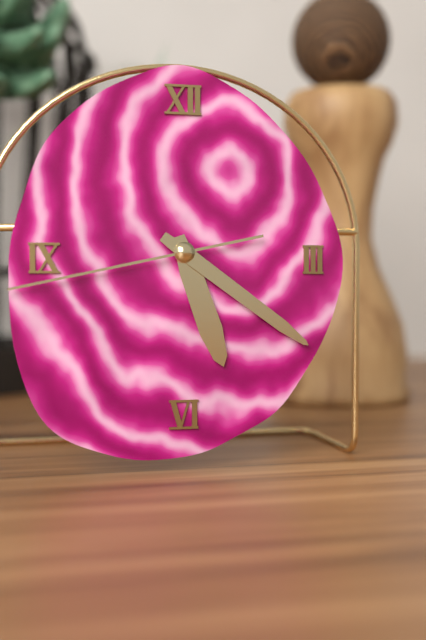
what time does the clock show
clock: 5:21:43
